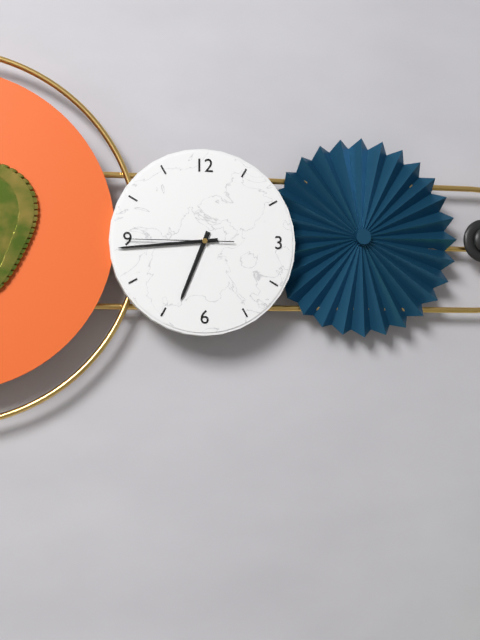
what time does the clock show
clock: 6:44:45
